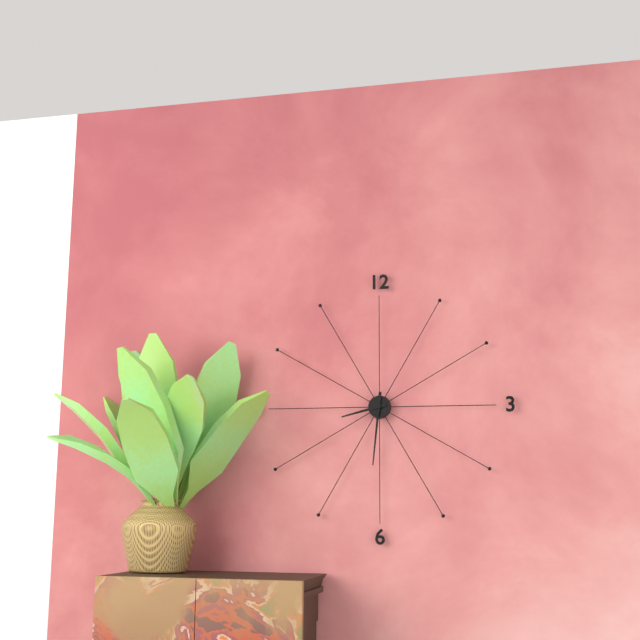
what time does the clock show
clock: 8:31
